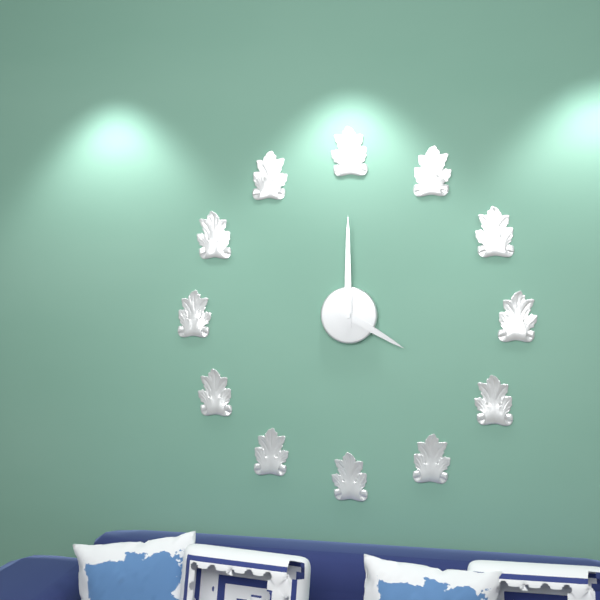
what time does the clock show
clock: 4:00
